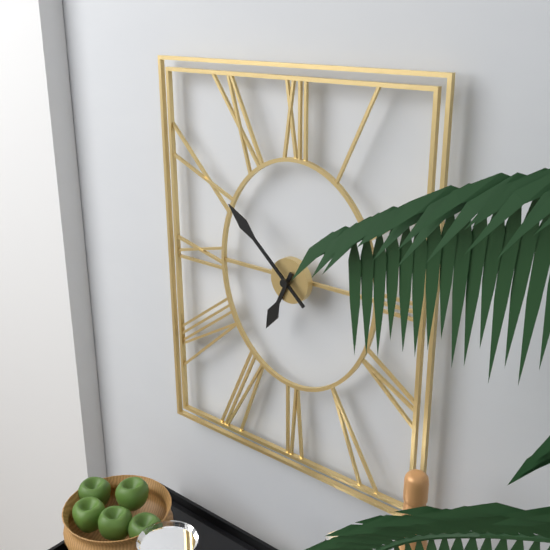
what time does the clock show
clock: 6:52
